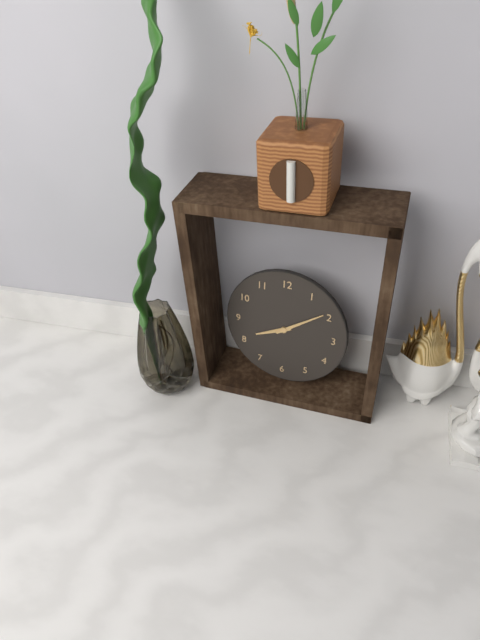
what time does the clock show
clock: 8:09
